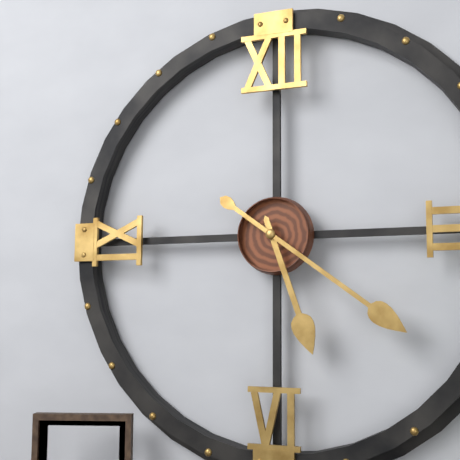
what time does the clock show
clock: 5:21
